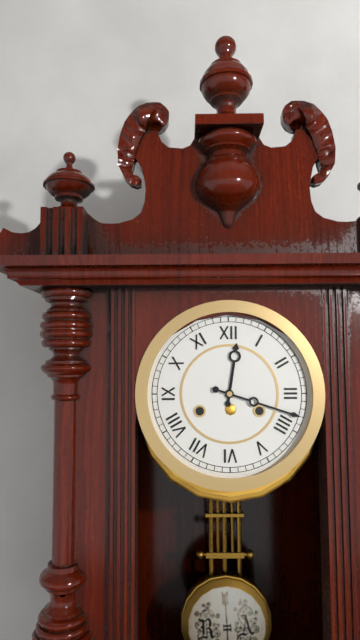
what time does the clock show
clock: 12:18
